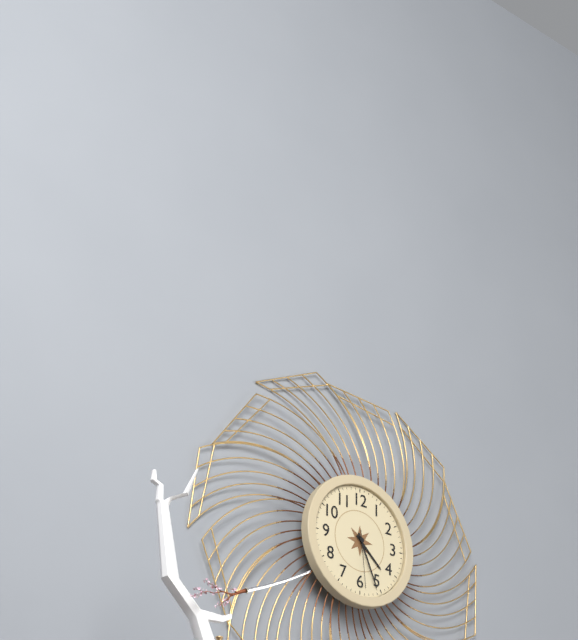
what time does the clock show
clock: 4:26:29
